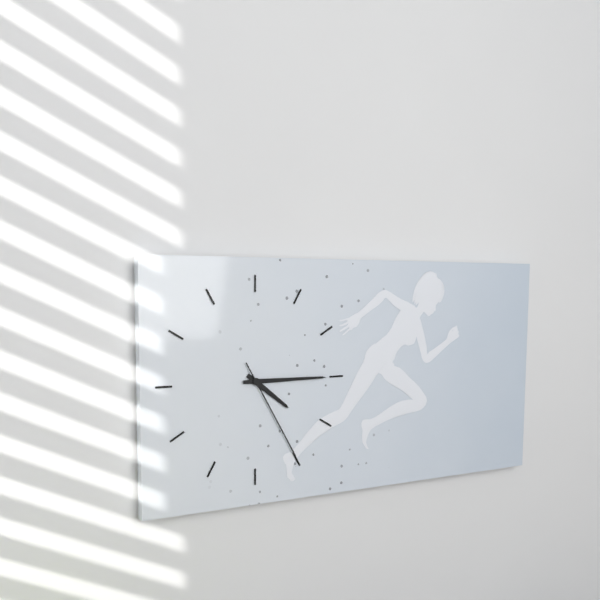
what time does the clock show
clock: 4:15:25
